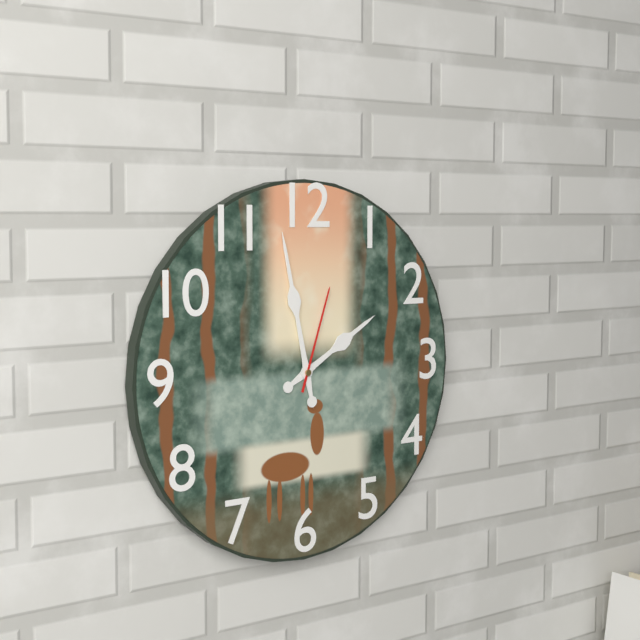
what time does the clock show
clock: 1:58:03
